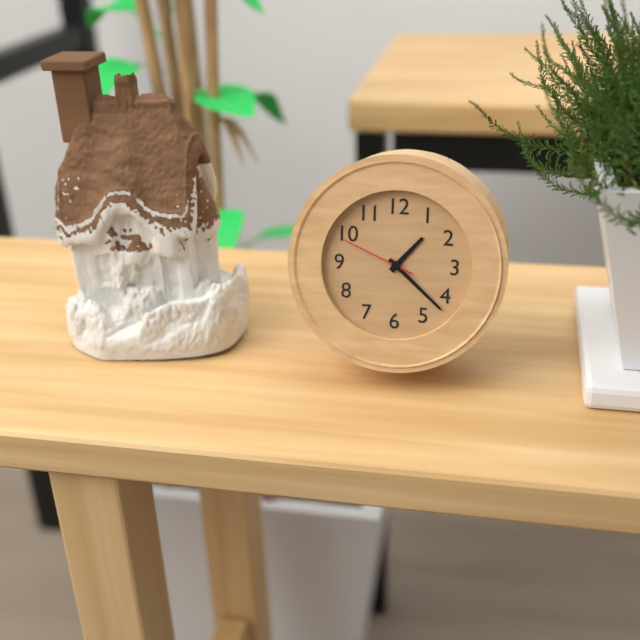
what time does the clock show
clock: 1:22:49
